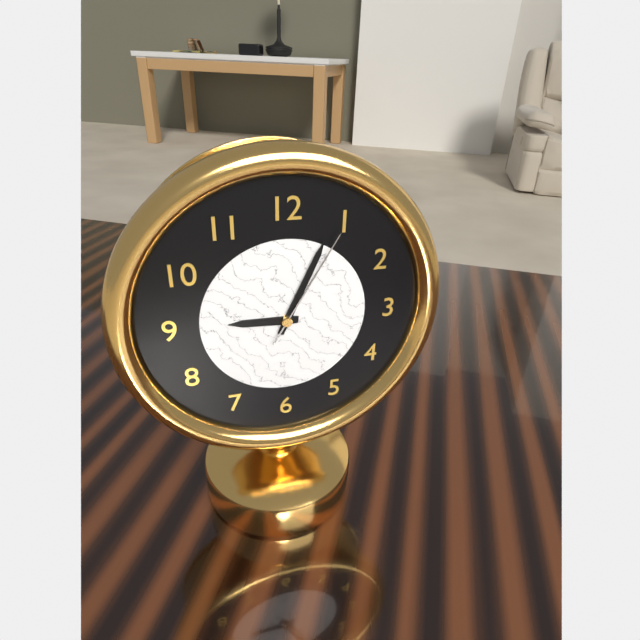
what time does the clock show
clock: 9:04:05
